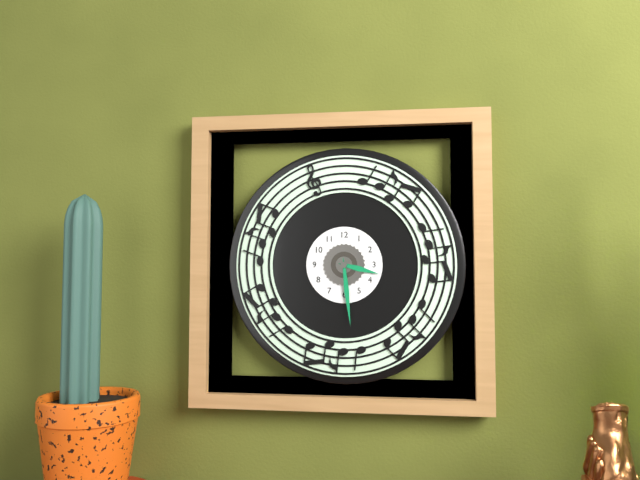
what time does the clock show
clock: 3:29
